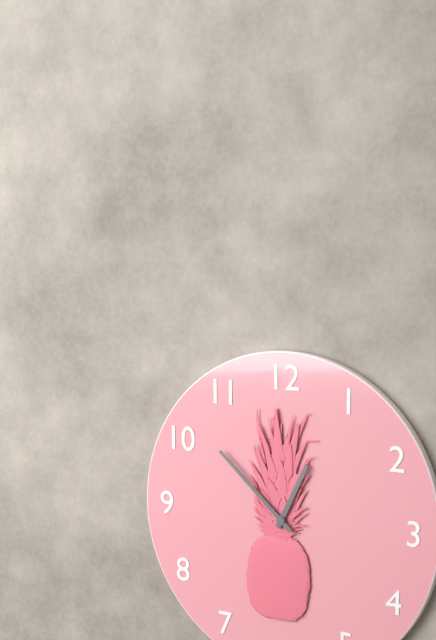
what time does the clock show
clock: 12:52
